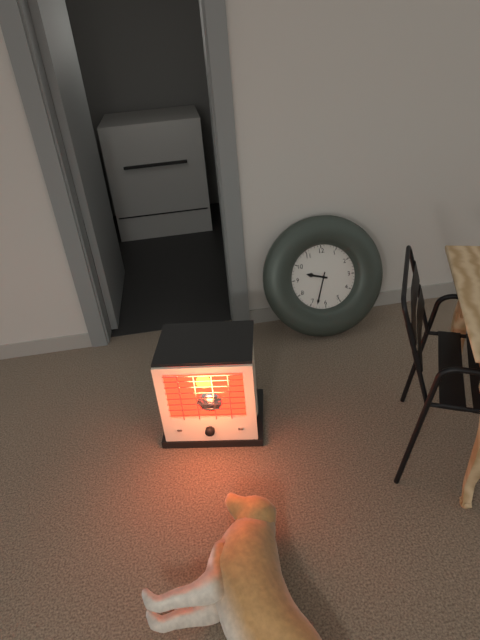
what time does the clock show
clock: 9:33
